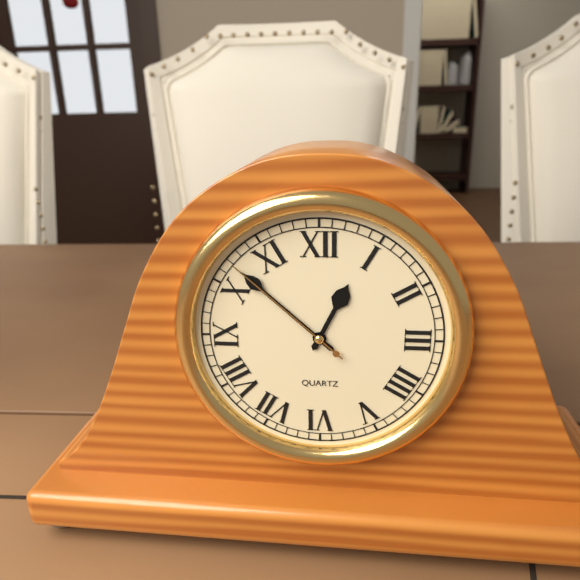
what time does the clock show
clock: 12:52:52
